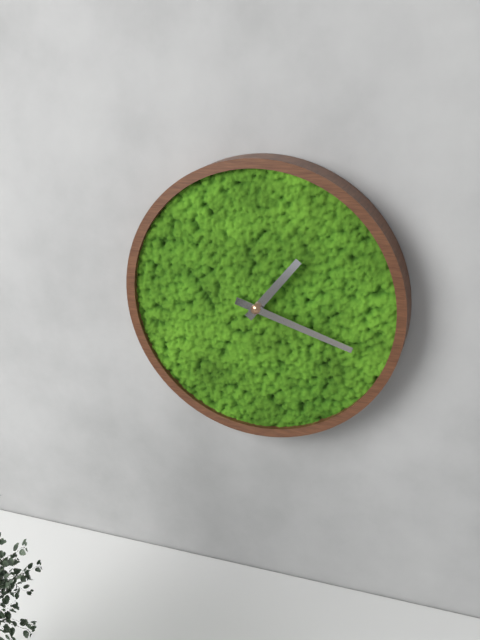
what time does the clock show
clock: 1:18
